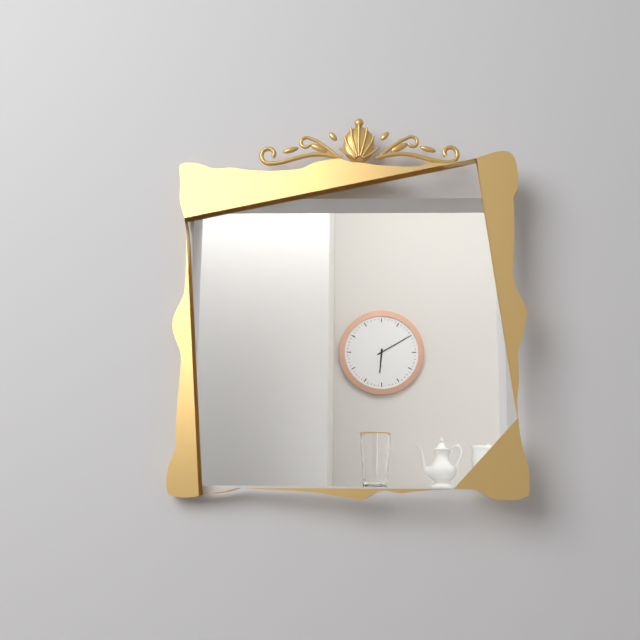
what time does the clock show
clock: 6:10
